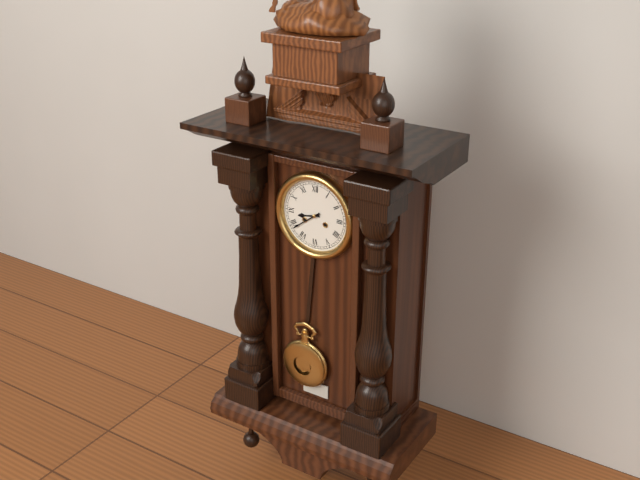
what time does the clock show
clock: 8:39
